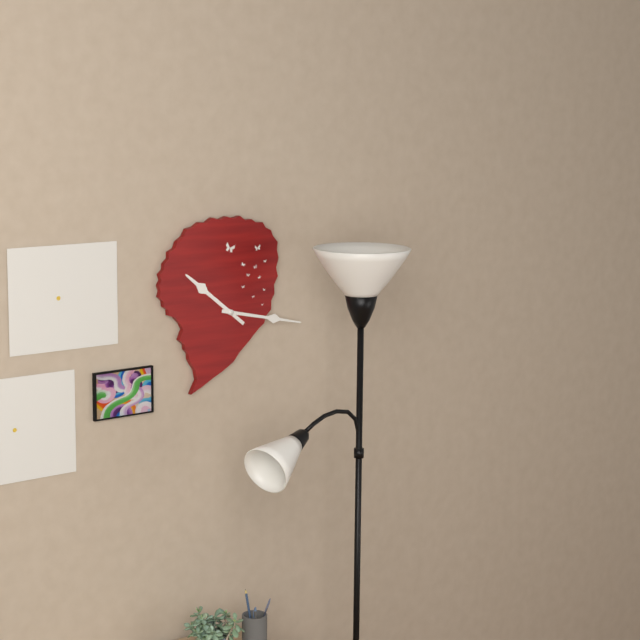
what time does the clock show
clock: 10:17
